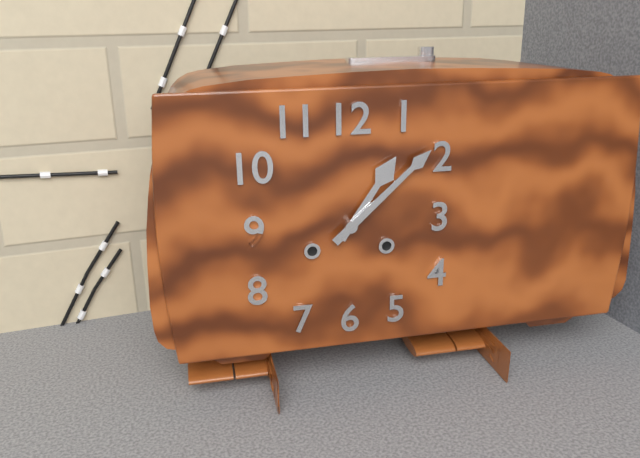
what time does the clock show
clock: 1:08
